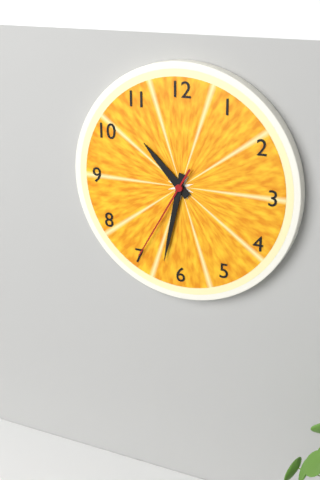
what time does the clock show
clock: 10:32:35
